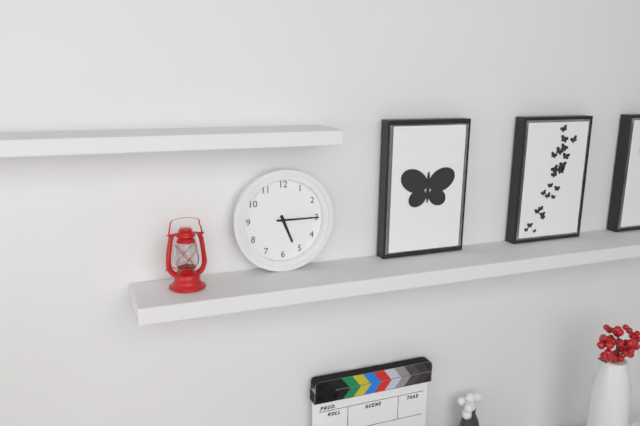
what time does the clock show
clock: 5:15
